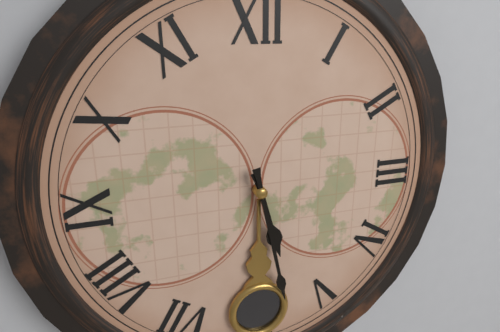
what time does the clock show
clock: 5:28
